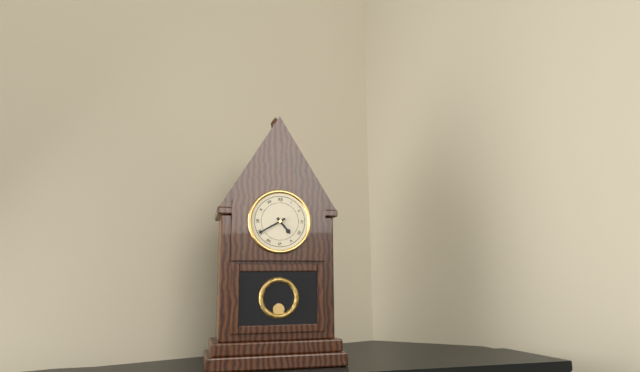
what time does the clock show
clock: 4:40
